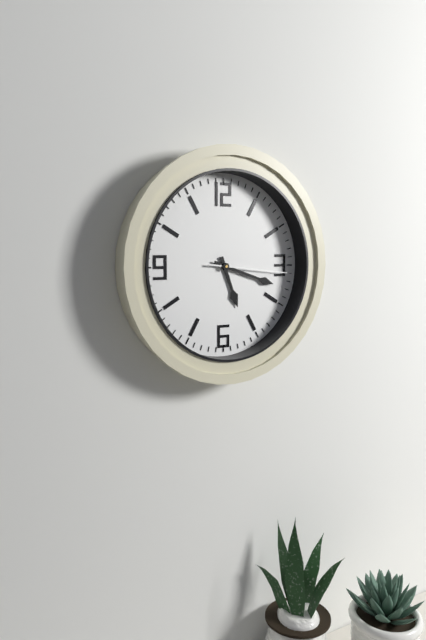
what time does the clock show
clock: 5:18:16
